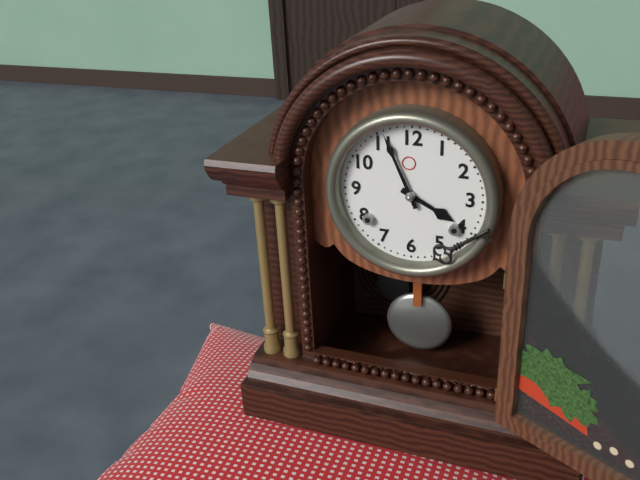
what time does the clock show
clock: 3:56
